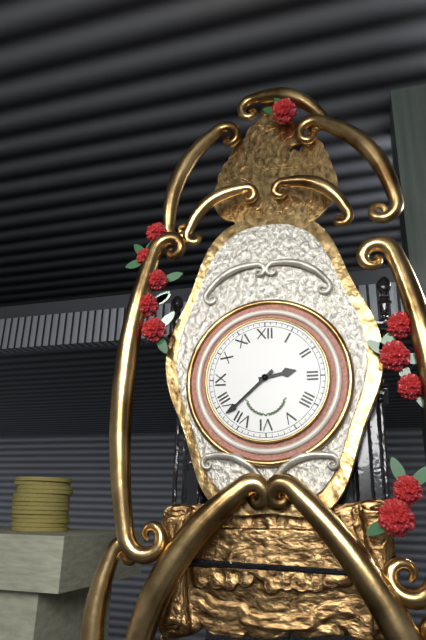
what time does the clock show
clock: 2:38
